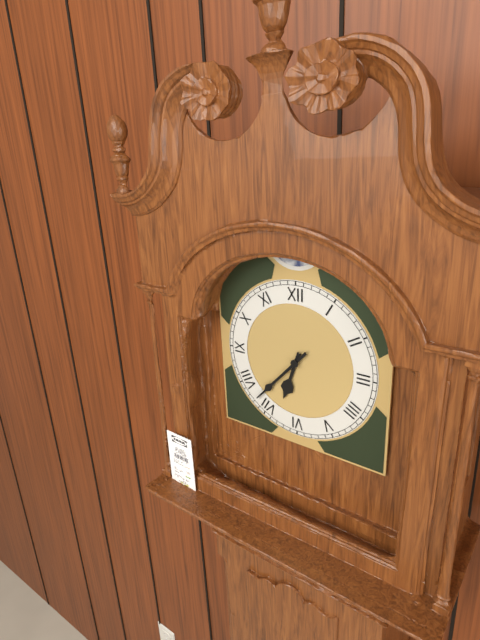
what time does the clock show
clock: 6:37
